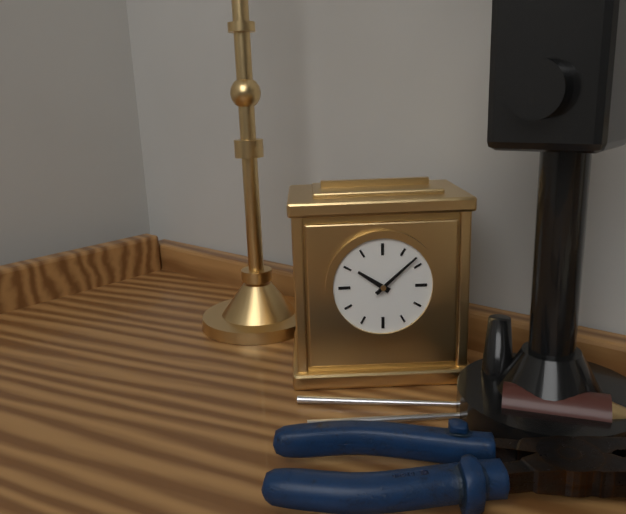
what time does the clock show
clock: 10:08
